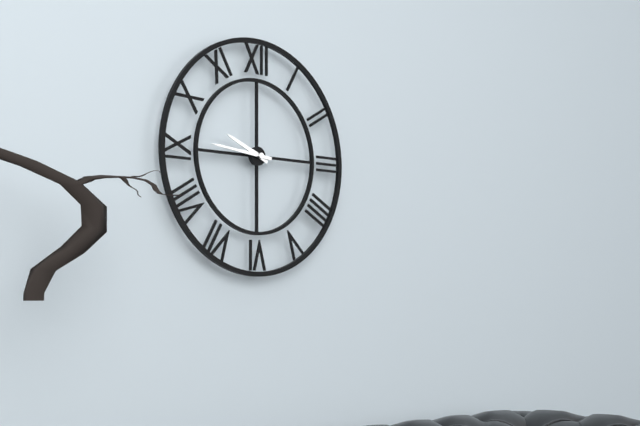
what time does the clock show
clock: 9:46
